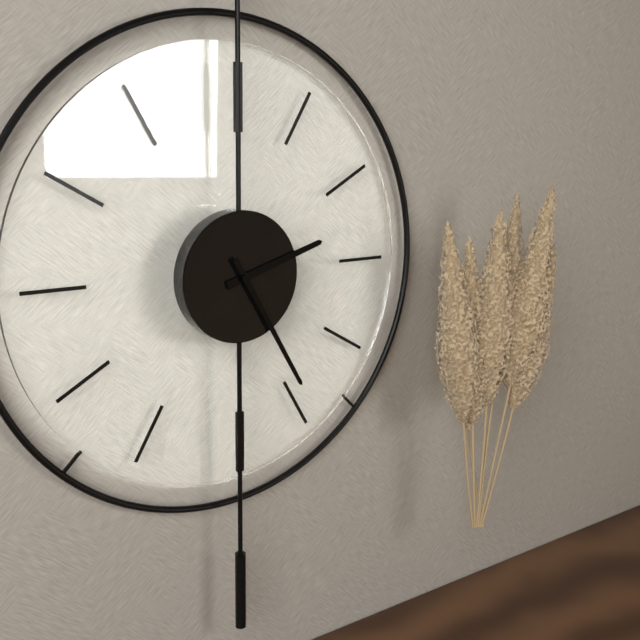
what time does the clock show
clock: 2:25
